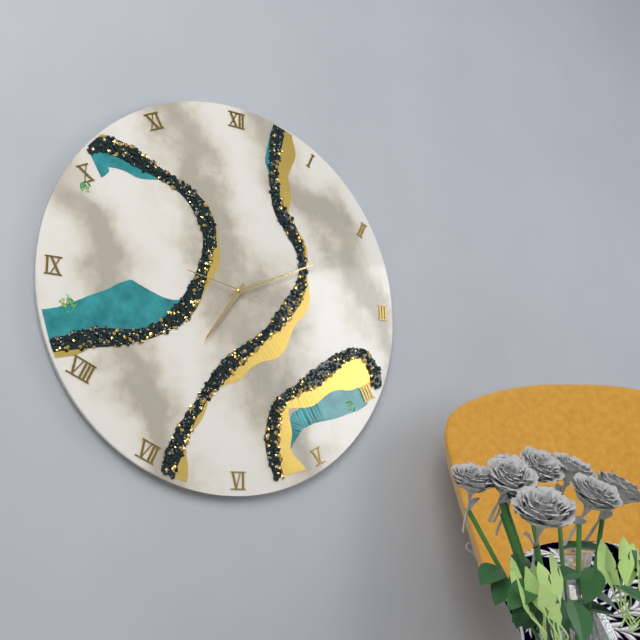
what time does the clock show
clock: 7:11:47
